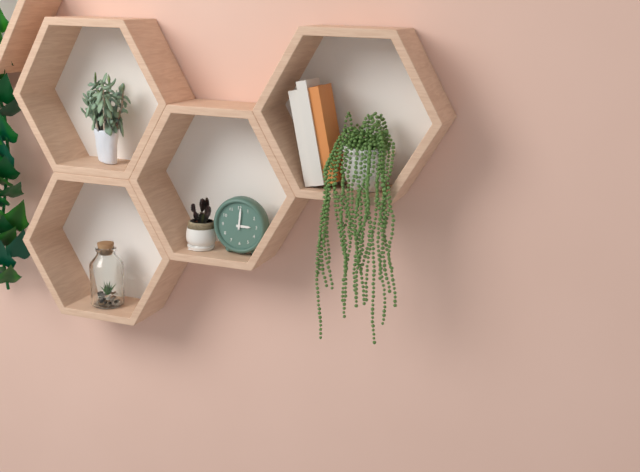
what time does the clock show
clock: 3:01
